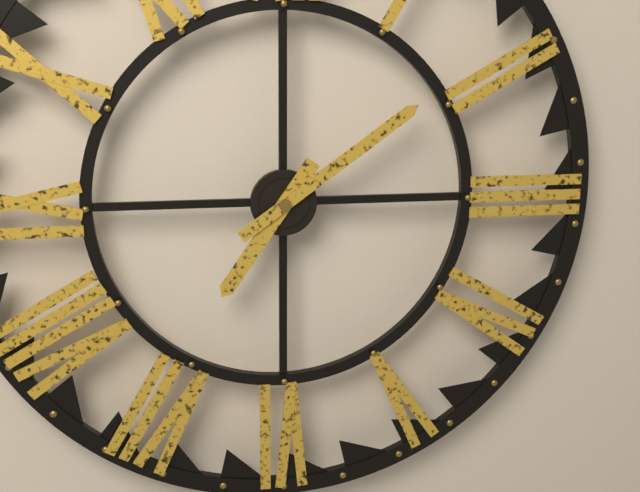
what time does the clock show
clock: 7:09
